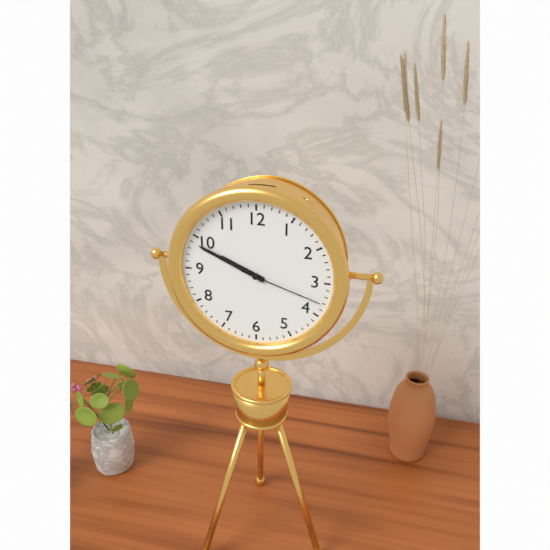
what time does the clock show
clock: 9:49:18
